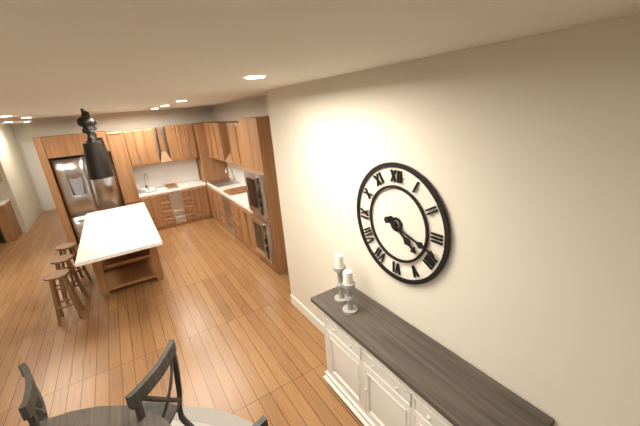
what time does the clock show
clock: 4:18
